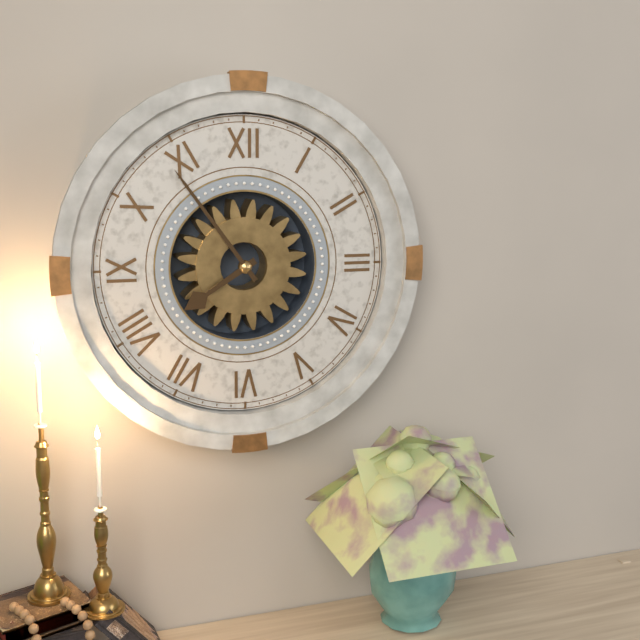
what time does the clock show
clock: 7:54
